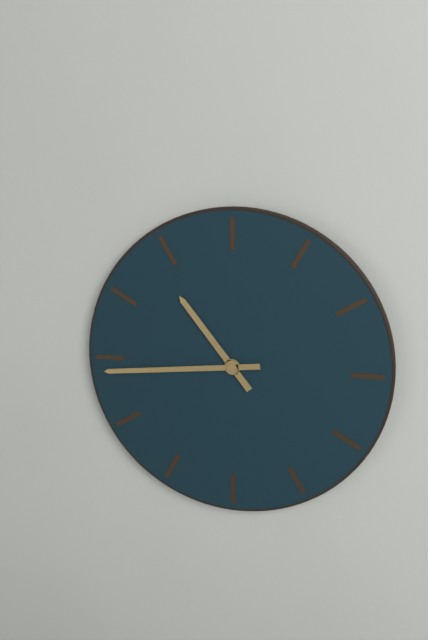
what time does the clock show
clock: 10:44
